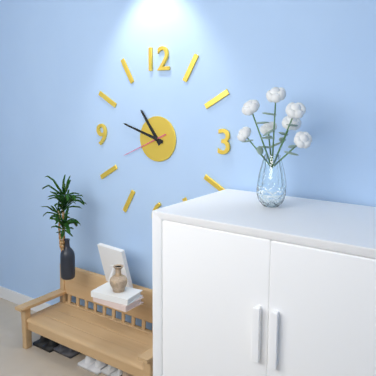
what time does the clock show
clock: 10:48
